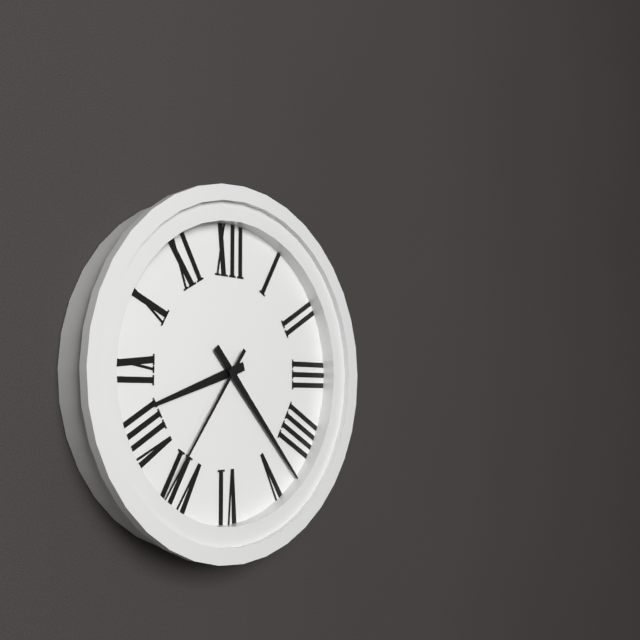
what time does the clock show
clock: 8:23:36
